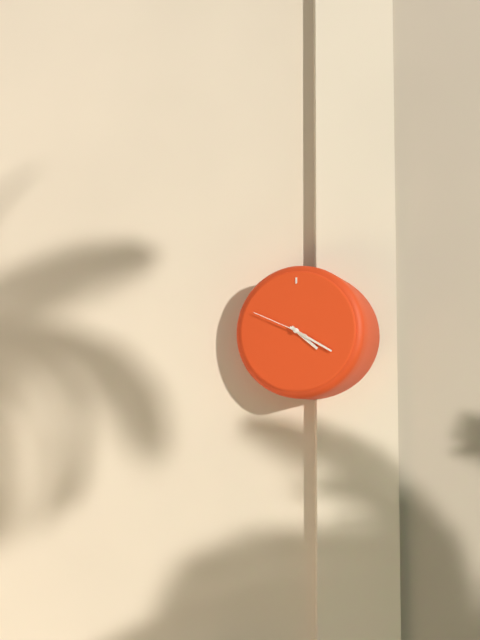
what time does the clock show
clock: 4:20:49
